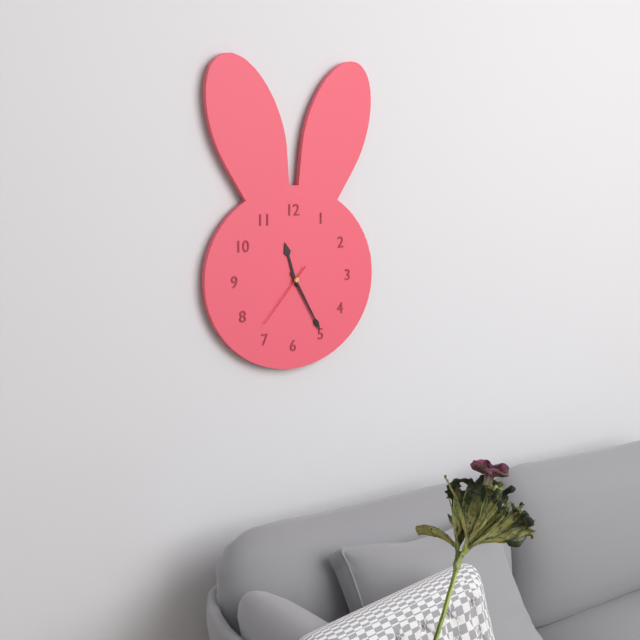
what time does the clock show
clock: 11:25:37
